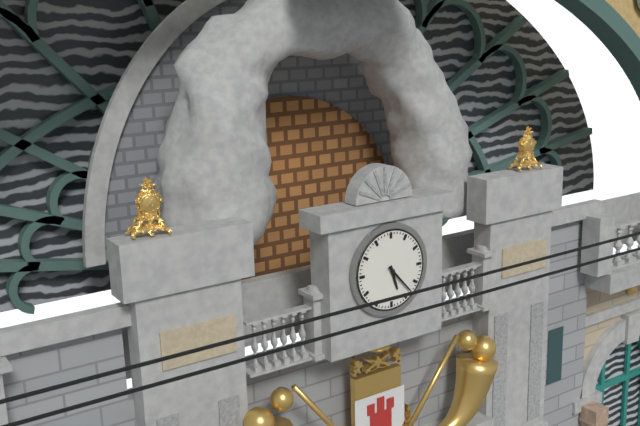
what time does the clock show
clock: 5:23
